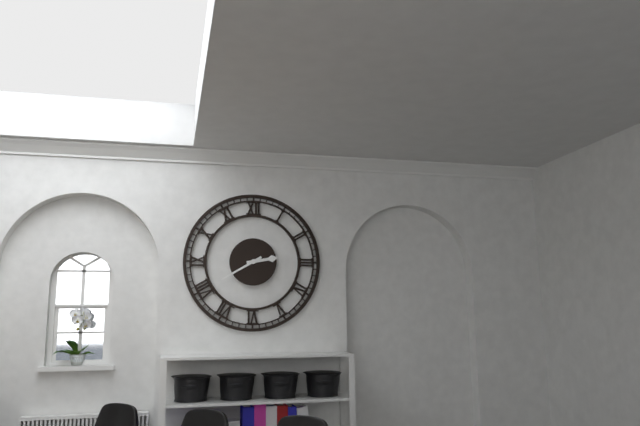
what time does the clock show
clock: 2:40
